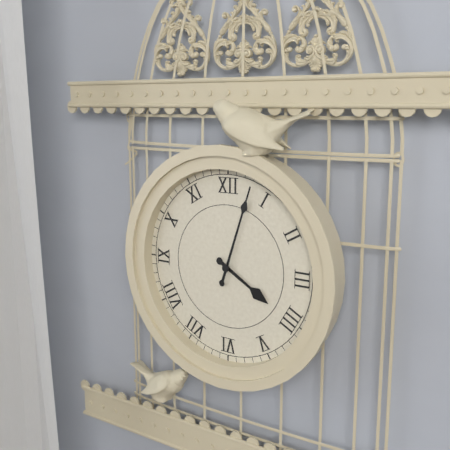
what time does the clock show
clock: 4:03
